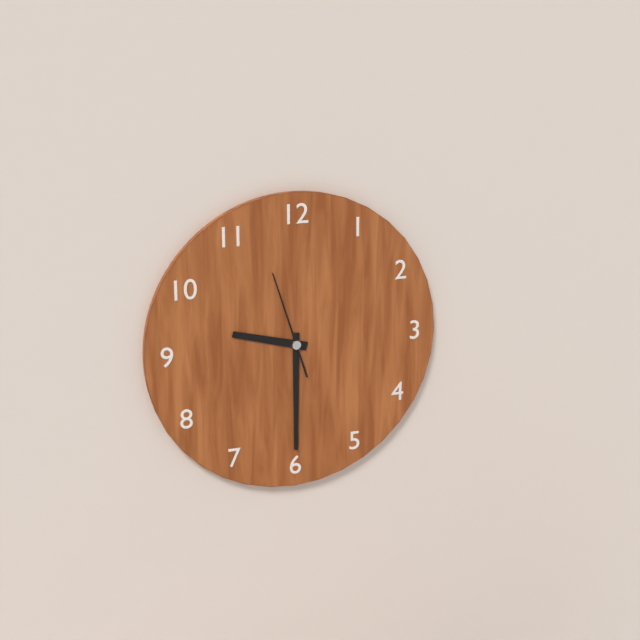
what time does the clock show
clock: 9:30:57
